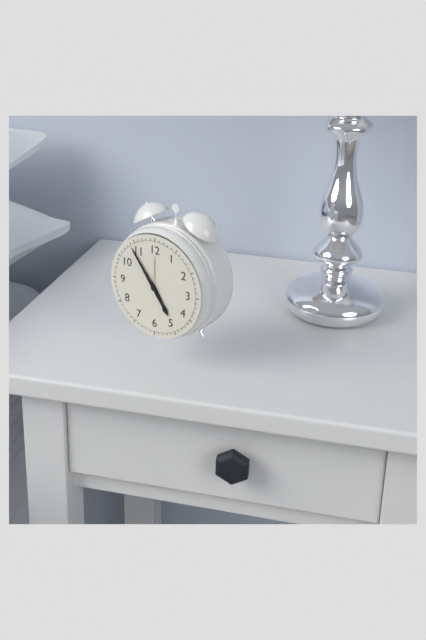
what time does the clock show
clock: 4:54
